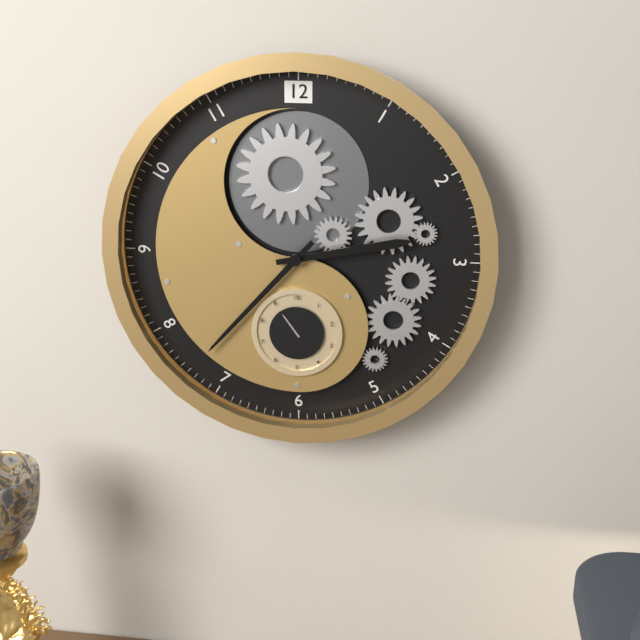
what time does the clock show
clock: 2:37
